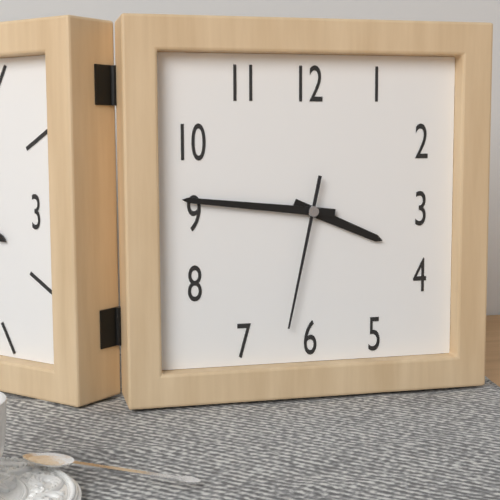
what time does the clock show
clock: 3:46:32
